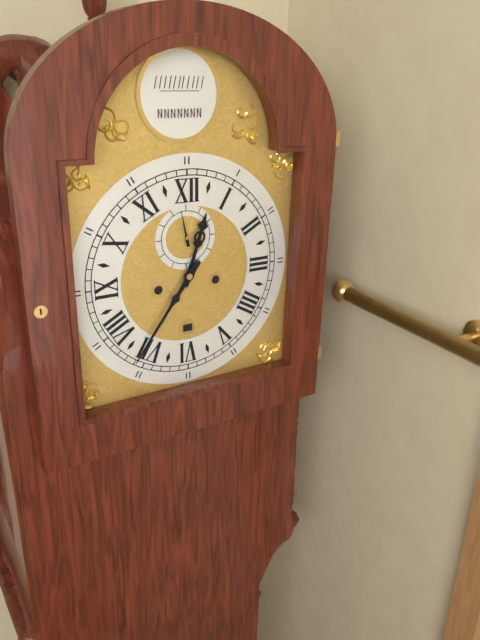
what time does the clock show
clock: 12:36
